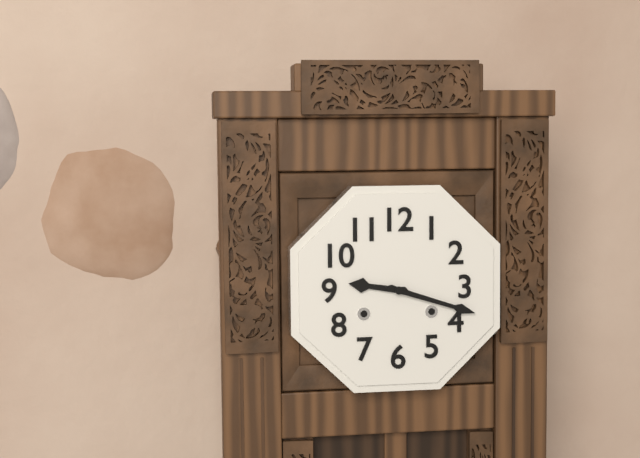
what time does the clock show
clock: 9:18
